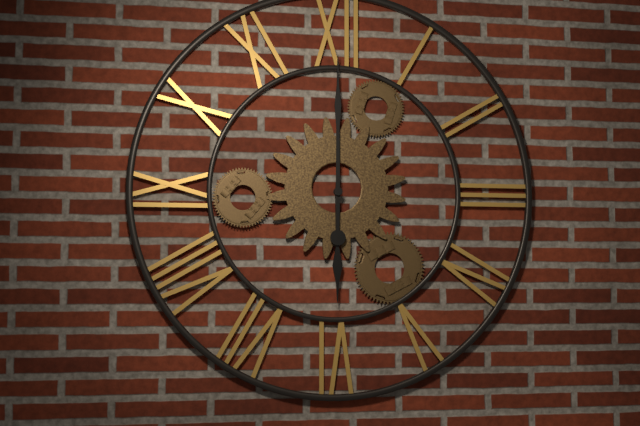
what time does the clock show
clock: 6:00
